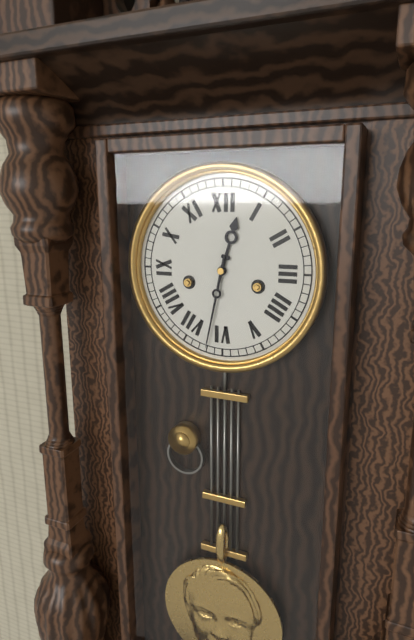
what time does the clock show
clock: 12:32
